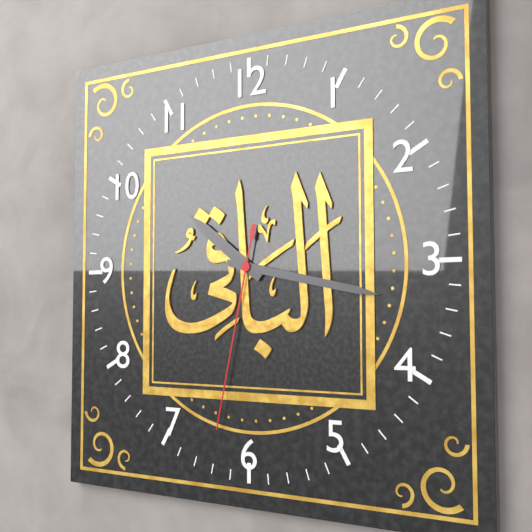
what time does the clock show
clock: 10:17:32
